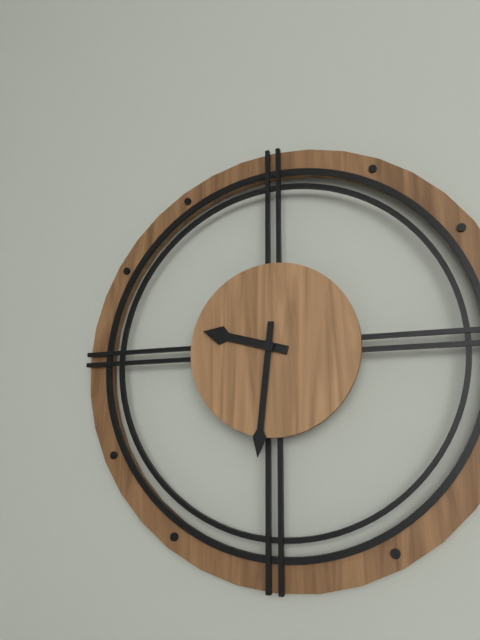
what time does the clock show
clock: 9:31
